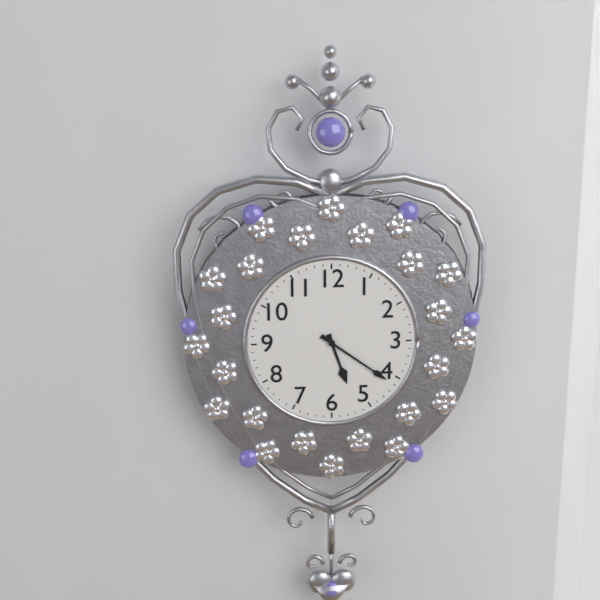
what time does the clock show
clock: 5:21
